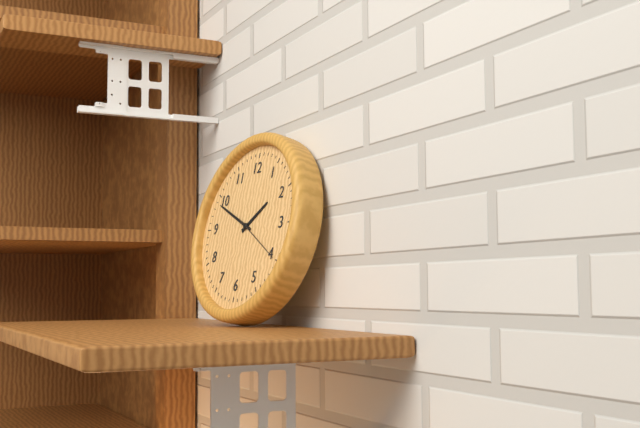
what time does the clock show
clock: 1:49:20
